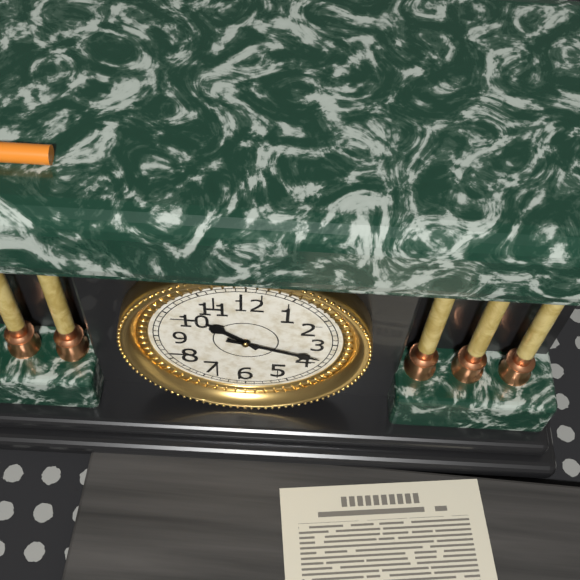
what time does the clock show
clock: 10:18
